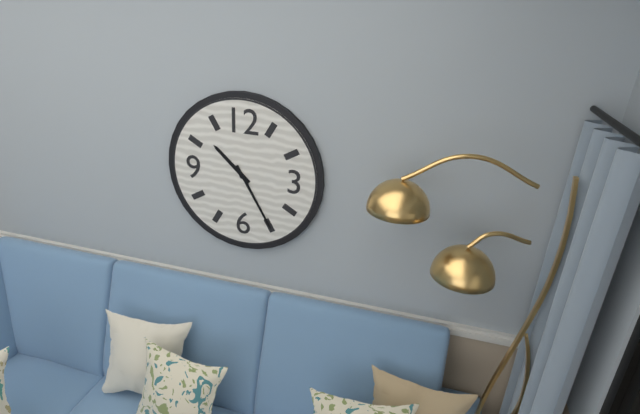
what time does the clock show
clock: 10:25
